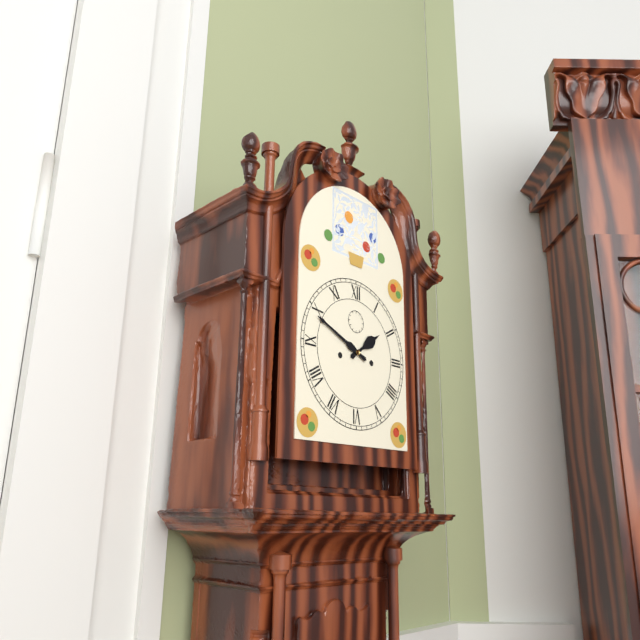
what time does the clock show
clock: 1:49
